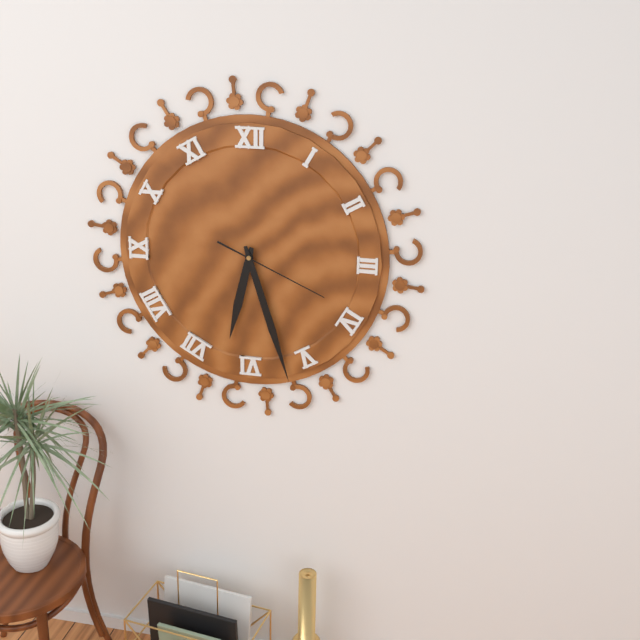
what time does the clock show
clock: 6:27:19
